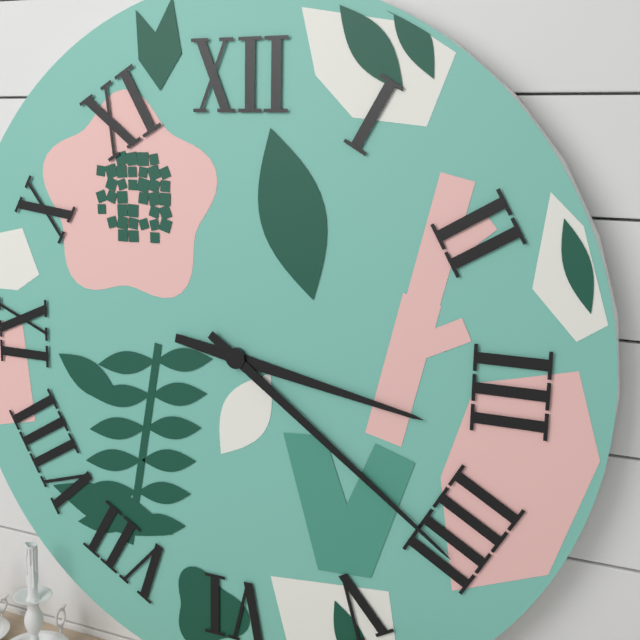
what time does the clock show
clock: 3:21
